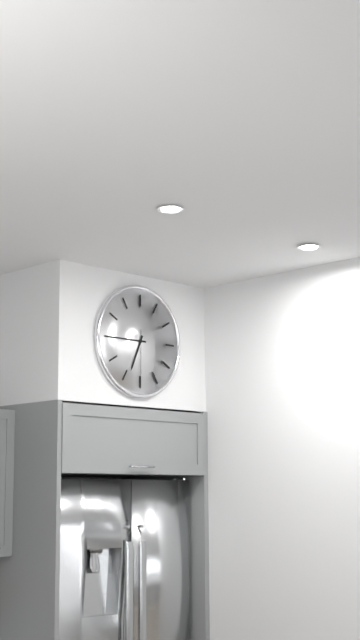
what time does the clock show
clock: 6:45:30
